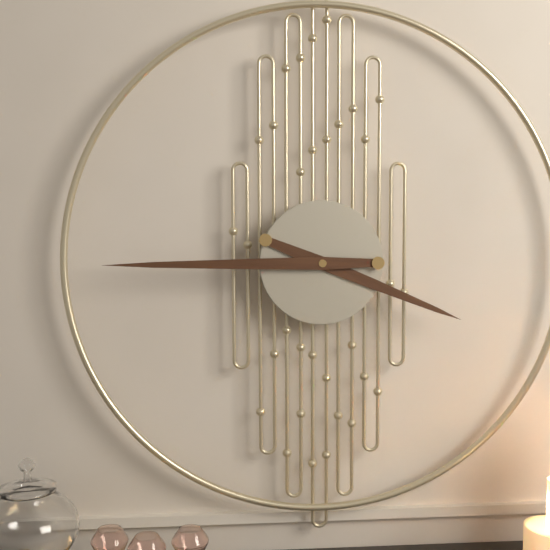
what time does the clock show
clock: 3:45
